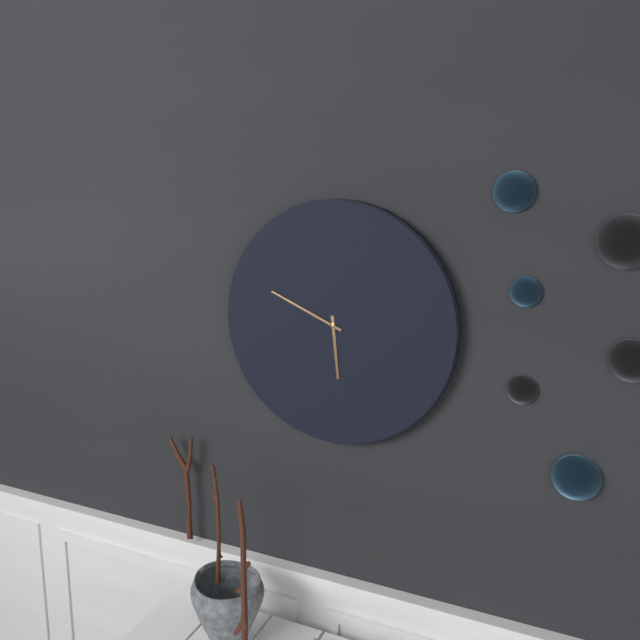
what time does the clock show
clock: 5:49
